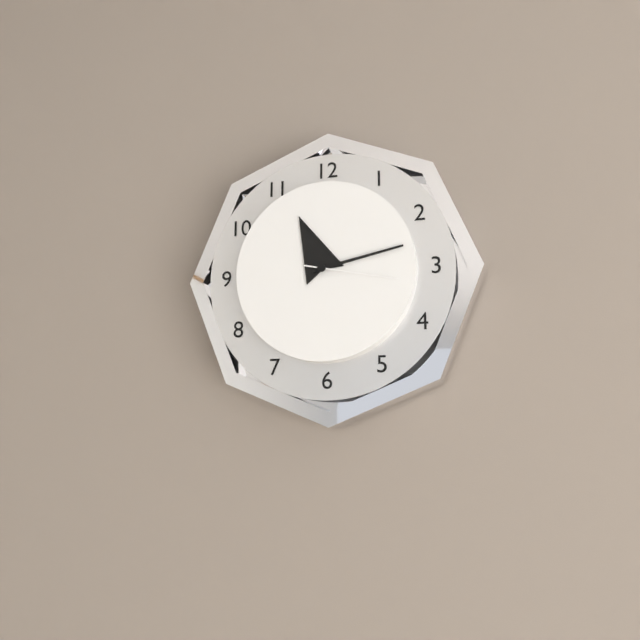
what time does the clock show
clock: 11:13:17
